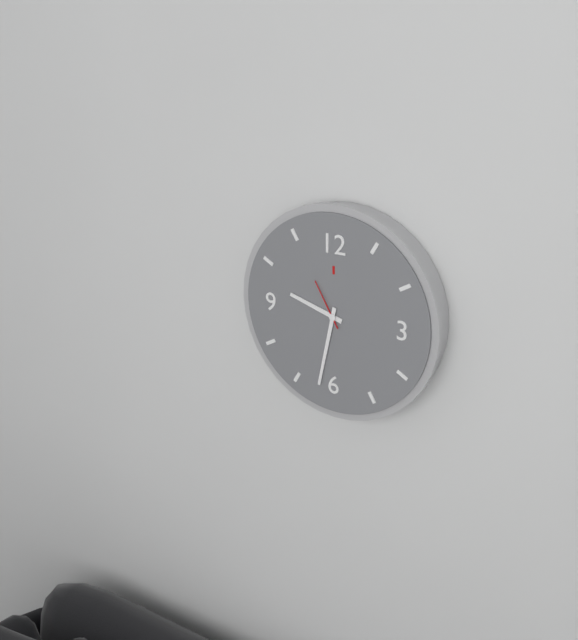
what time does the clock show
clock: 9:32:55
